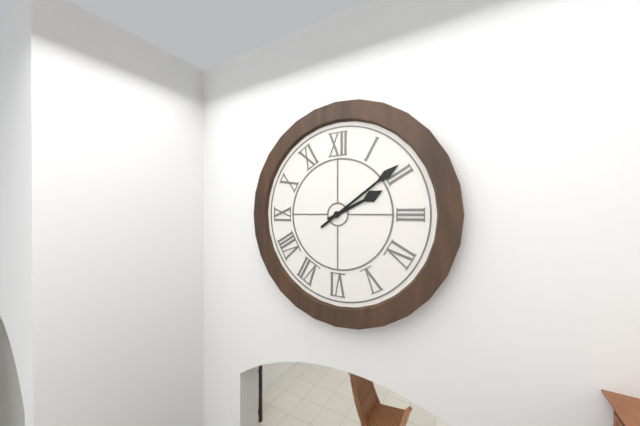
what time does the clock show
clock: 2:09
